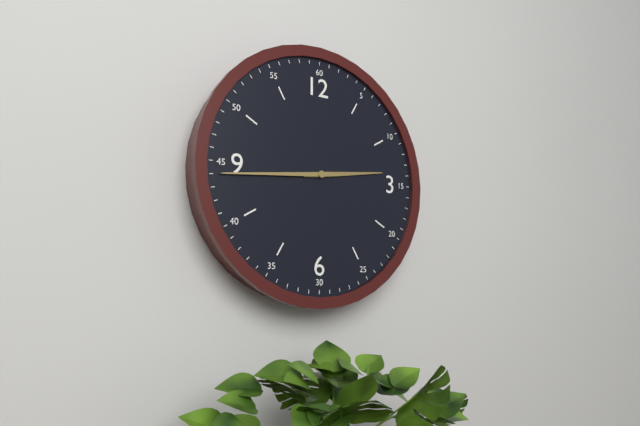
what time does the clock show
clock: 2:44
